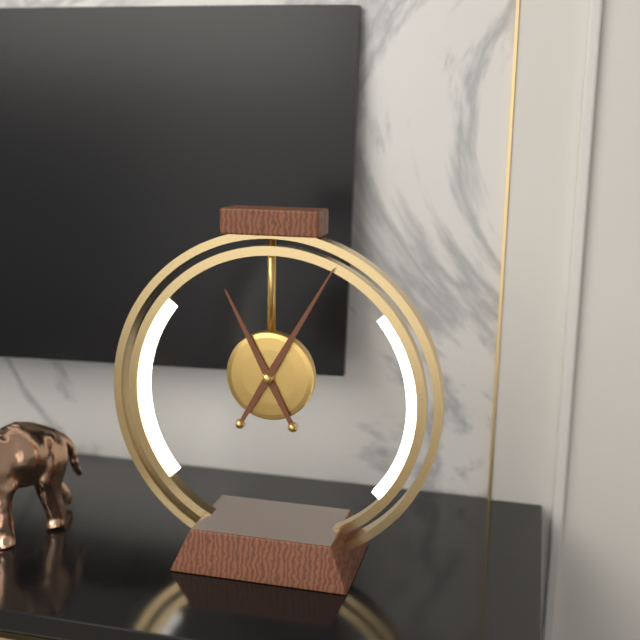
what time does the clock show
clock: 11:05
